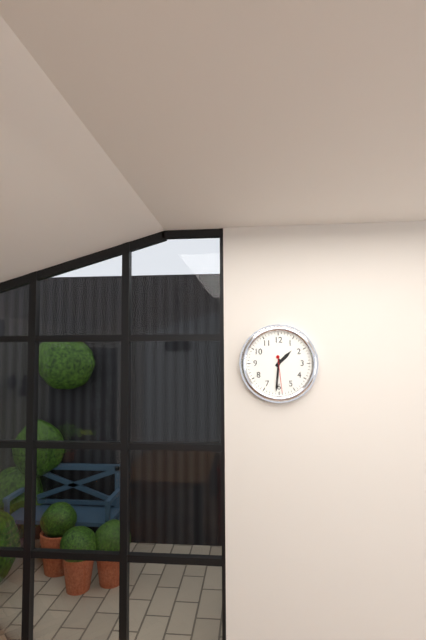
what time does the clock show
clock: 1:31
